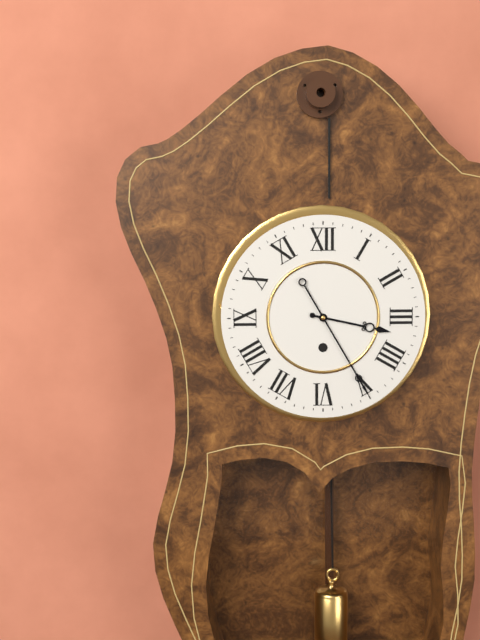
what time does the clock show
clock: 3:25
